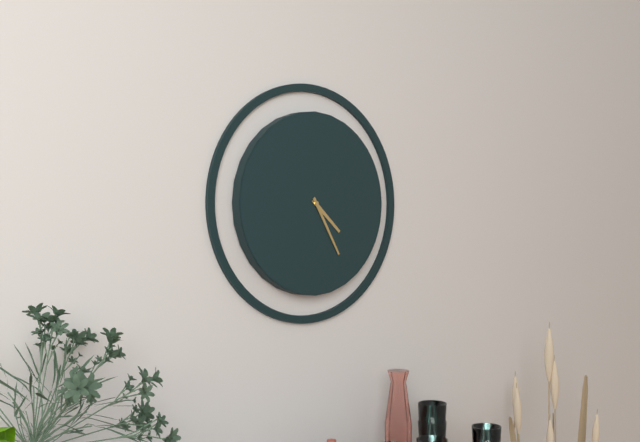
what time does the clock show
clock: 4:25
